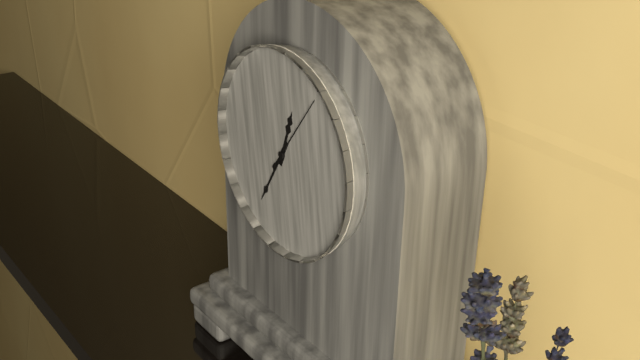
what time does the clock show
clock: 12:35:06
